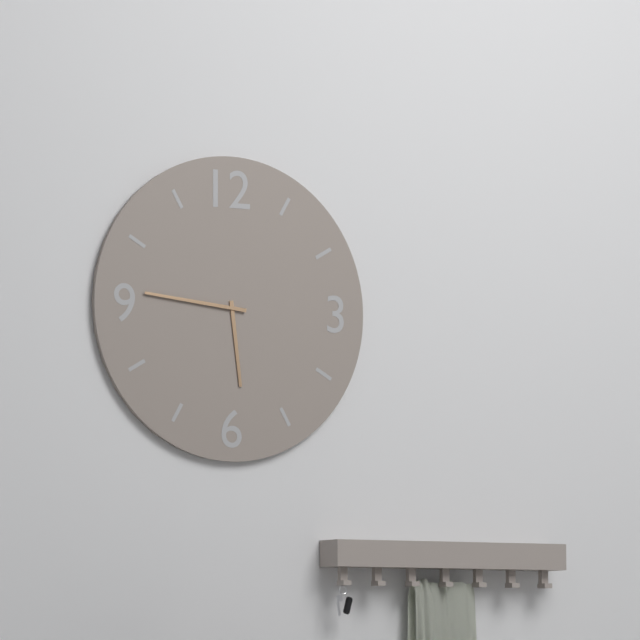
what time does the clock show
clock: 5:46
